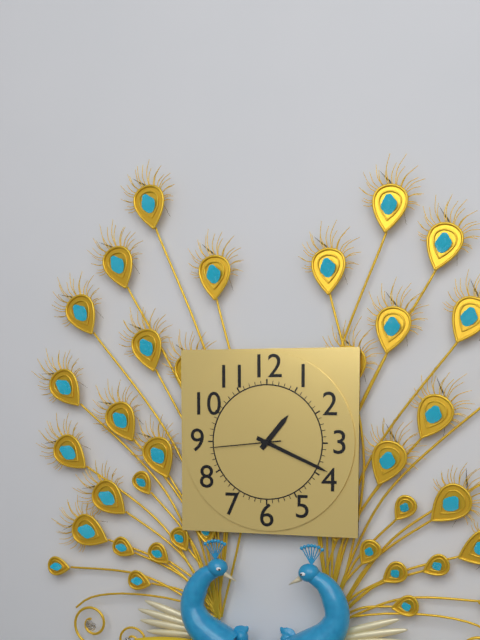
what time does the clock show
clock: 1:19:44
